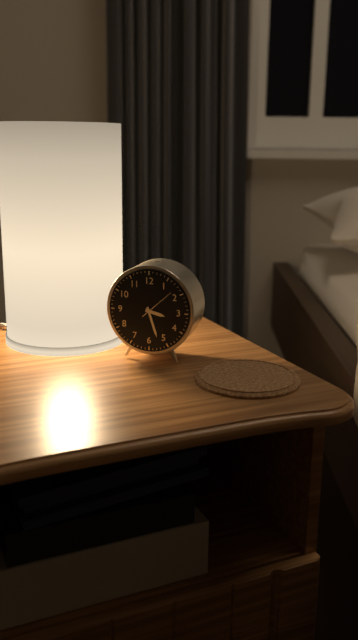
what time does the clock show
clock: 3:27
